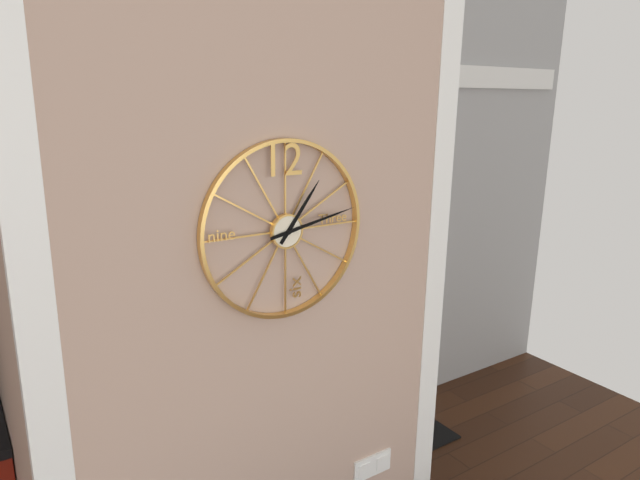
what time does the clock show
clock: 1:13
